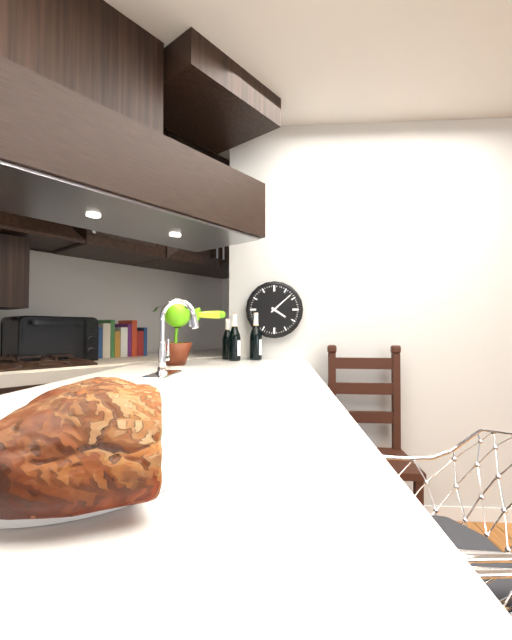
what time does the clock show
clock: 4:08
